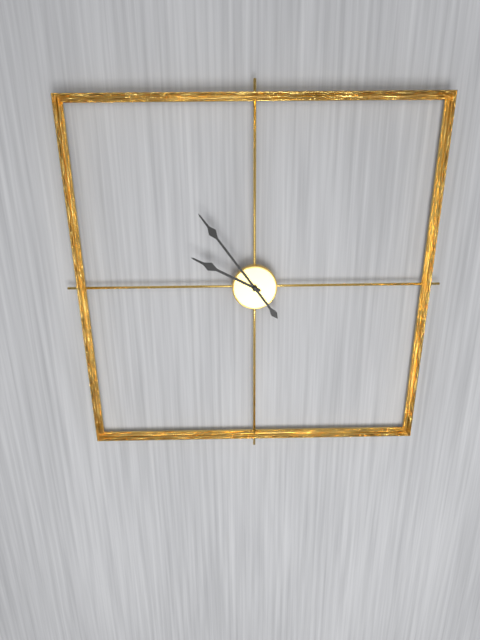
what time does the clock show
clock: 9:54
